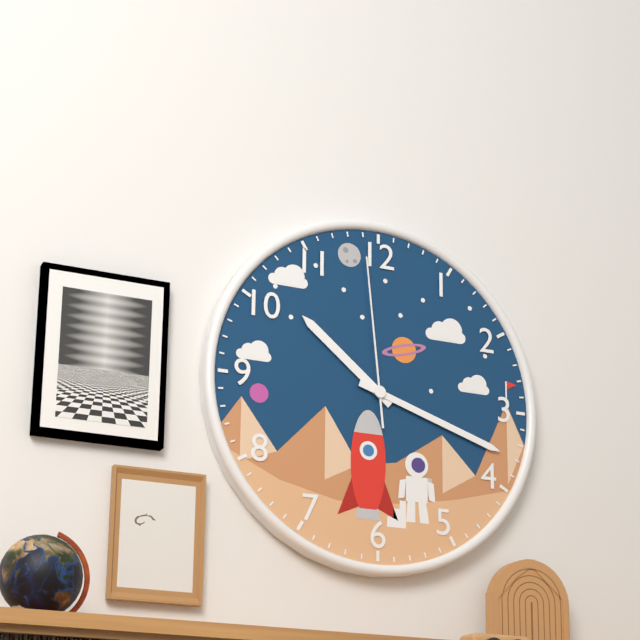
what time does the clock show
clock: 10:18:59
